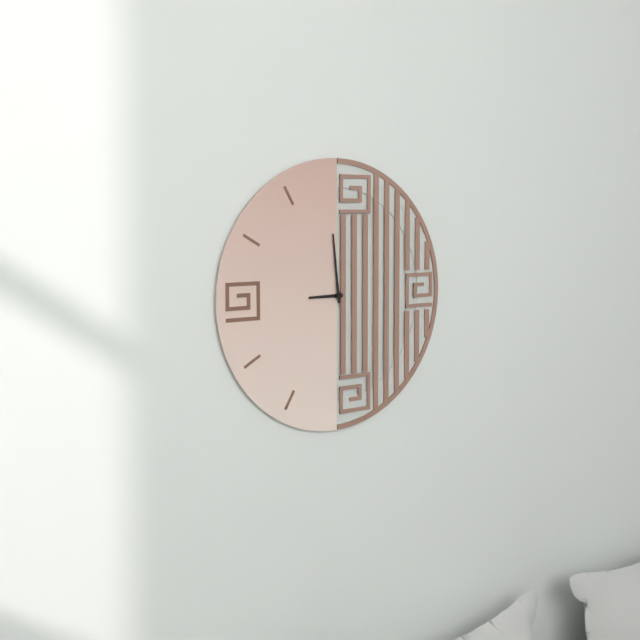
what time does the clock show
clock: 8:59
